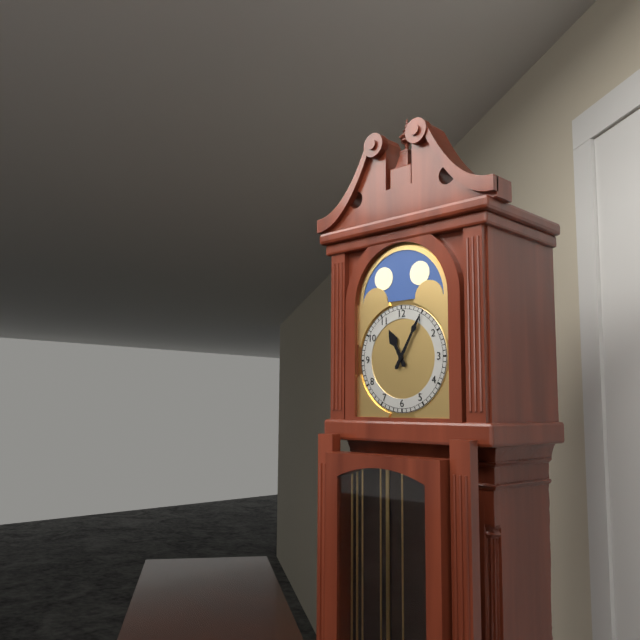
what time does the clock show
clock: 11:05
